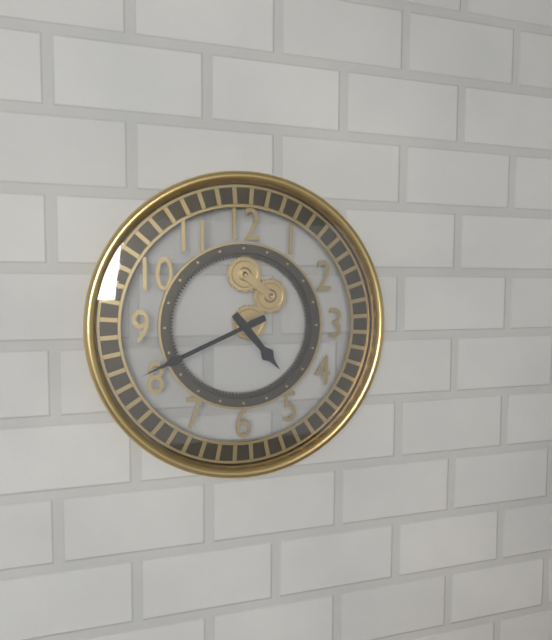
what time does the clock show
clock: 4:41
